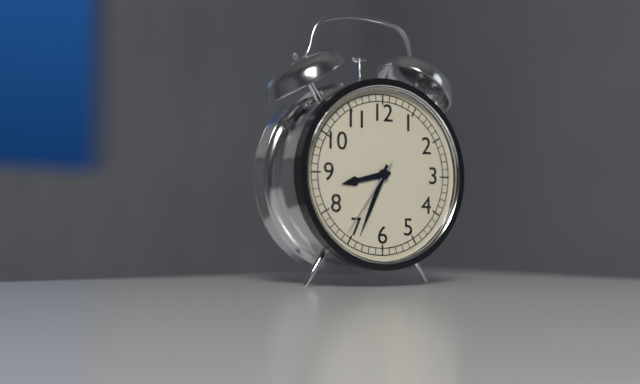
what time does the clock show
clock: 8:34:36
